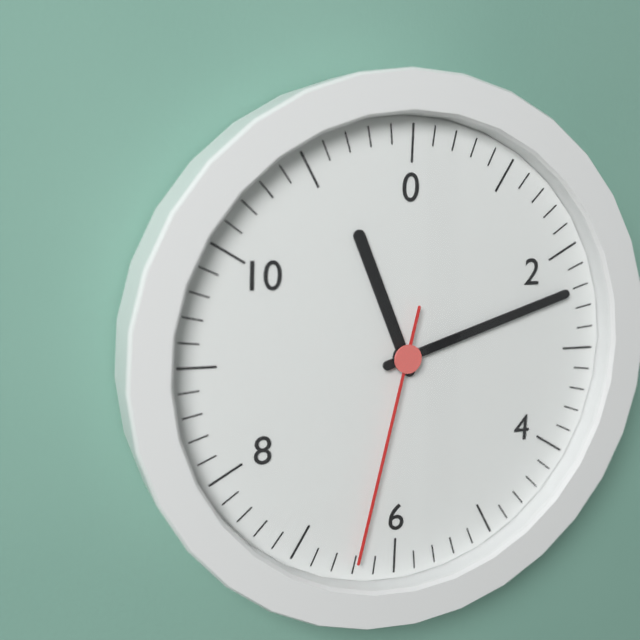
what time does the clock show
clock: 11:12:32
